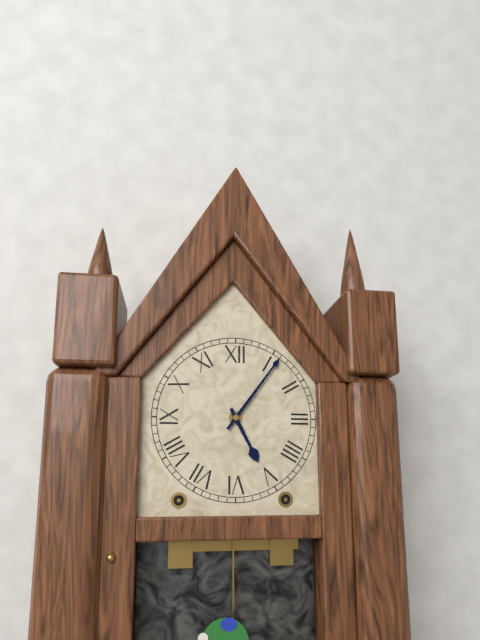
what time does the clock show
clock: 5:06
